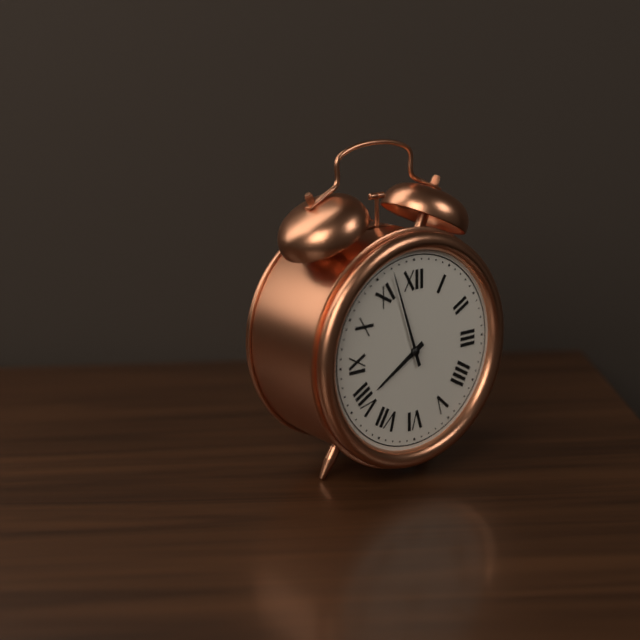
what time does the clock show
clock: 7:57
